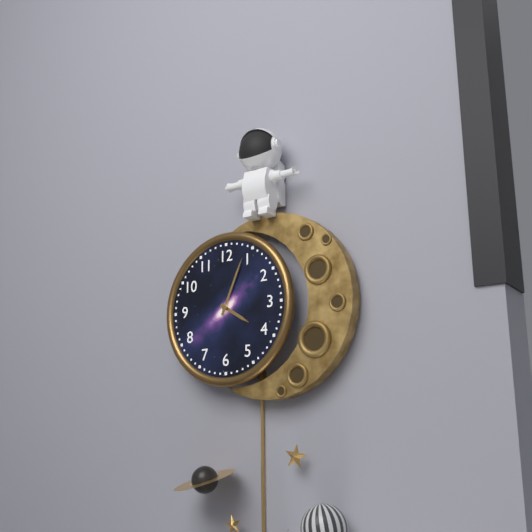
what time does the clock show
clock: 4:04
